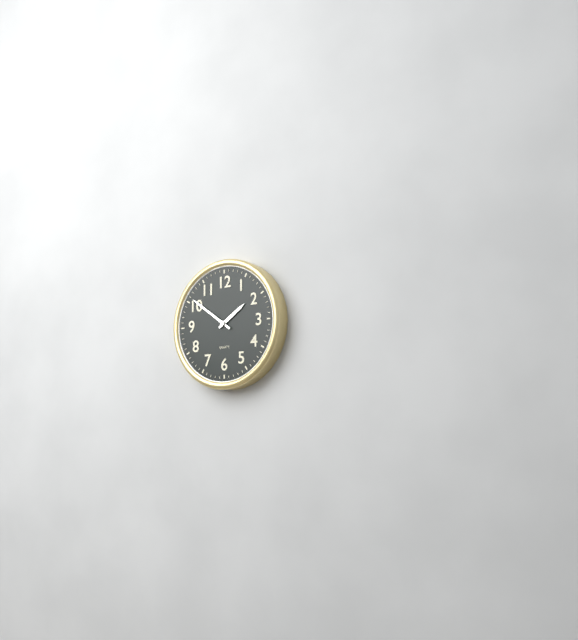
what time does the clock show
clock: 1:51
